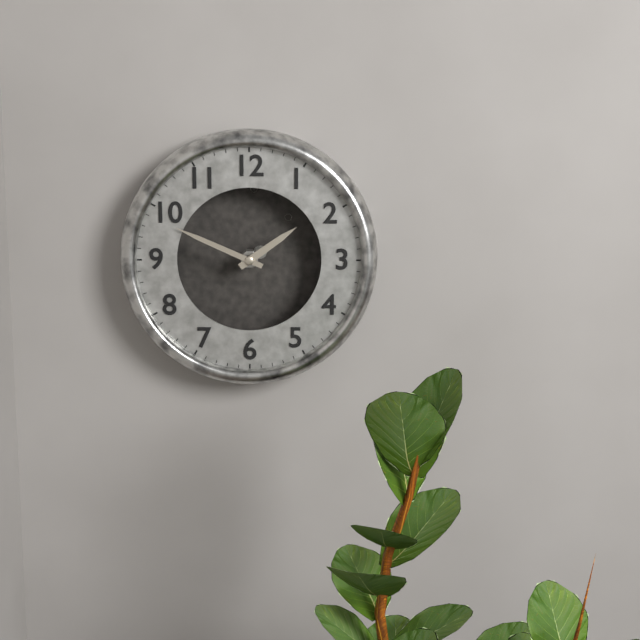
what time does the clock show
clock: 1:49
